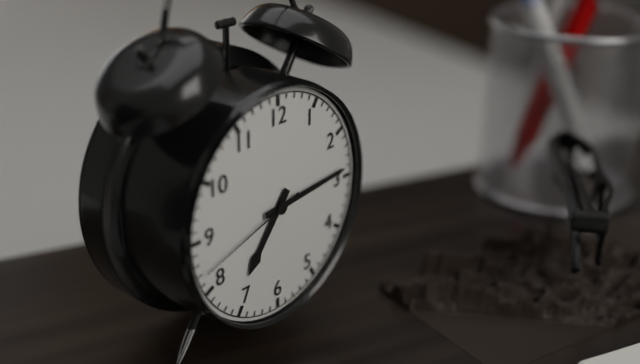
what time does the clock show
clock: 7:14:42
